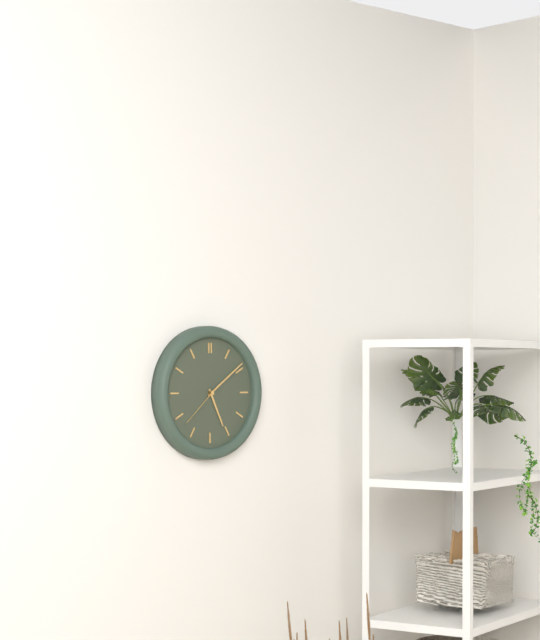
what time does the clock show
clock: 5:09
